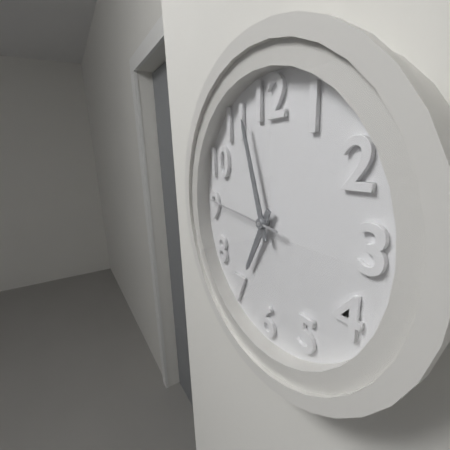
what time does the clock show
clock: 6:57:46
